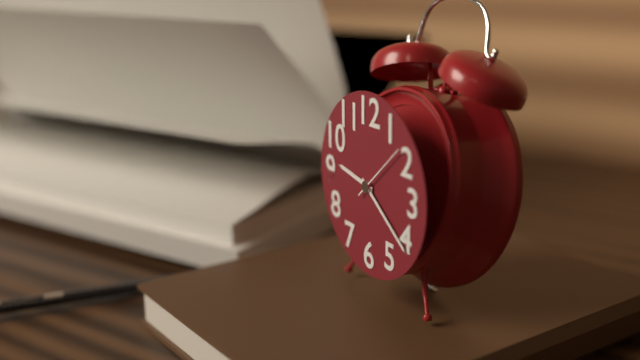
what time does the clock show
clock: 9:21:08
